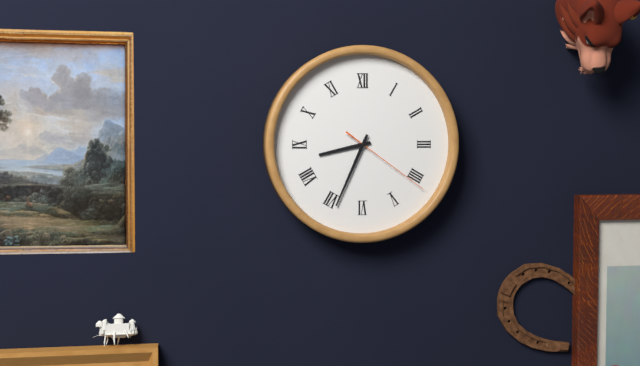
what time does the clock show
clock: 8:34:21
